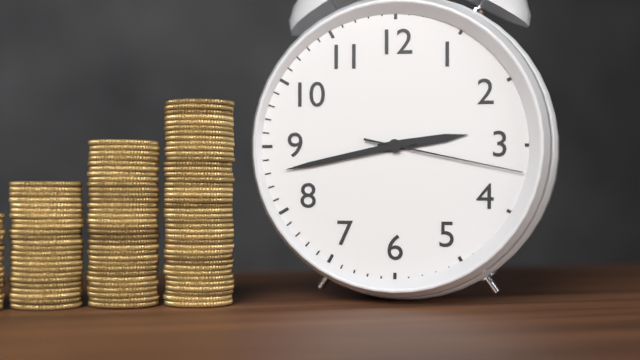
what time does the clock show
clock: 2:43:17
